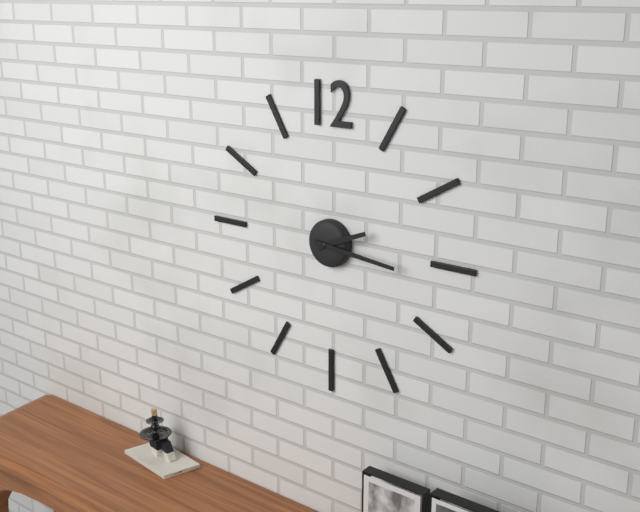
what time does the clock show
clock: 2:16
